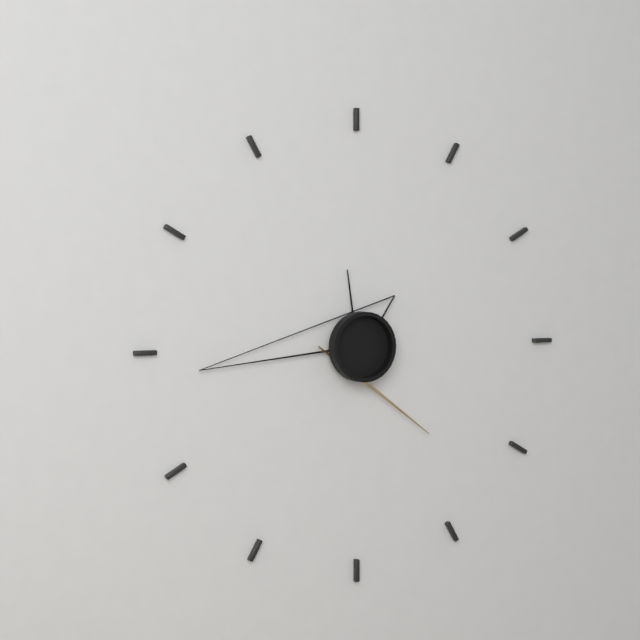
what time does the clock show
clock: 11:44:23
